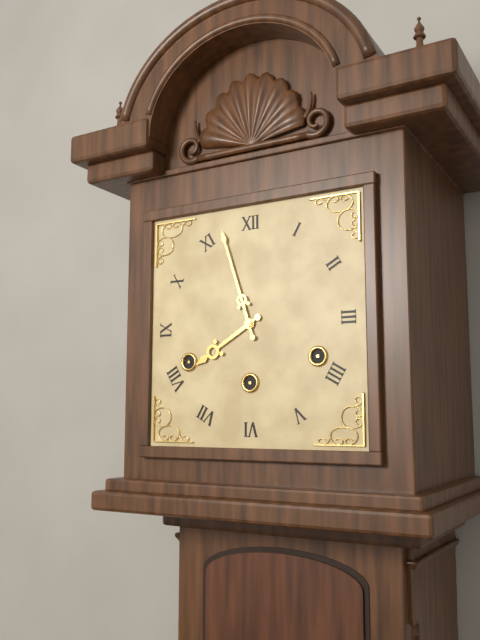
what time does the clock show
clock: 7:57
